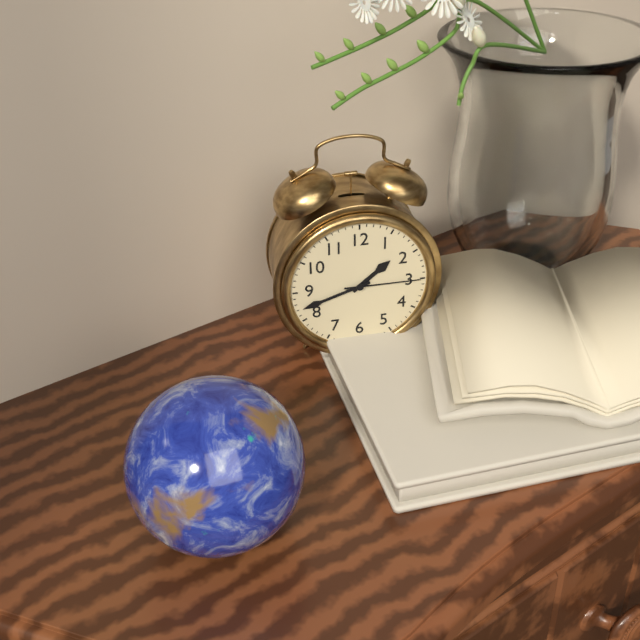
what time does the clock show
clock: 1:42:15
